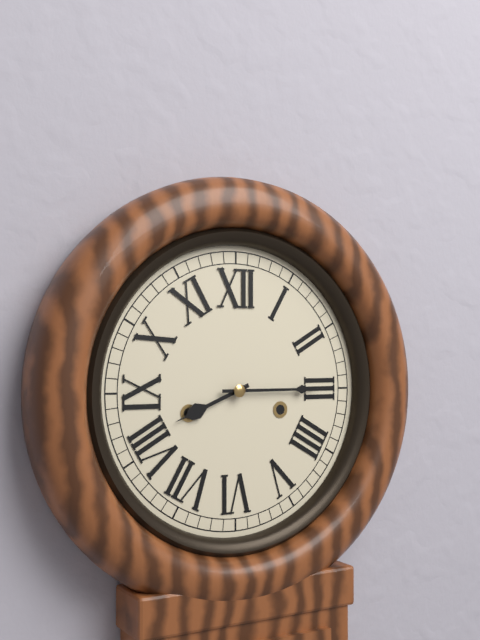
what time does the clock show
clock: 8:15
